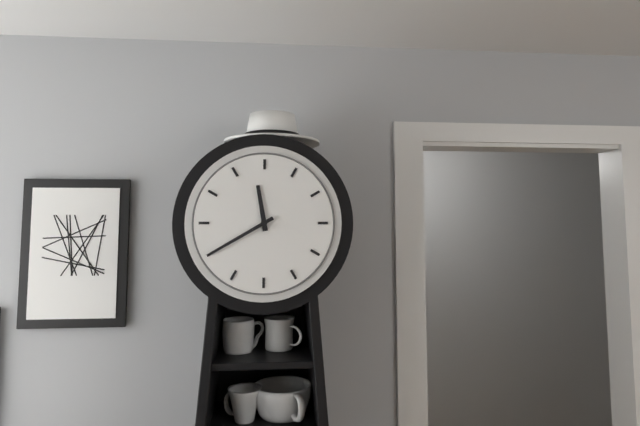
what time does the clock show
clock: 11:40
